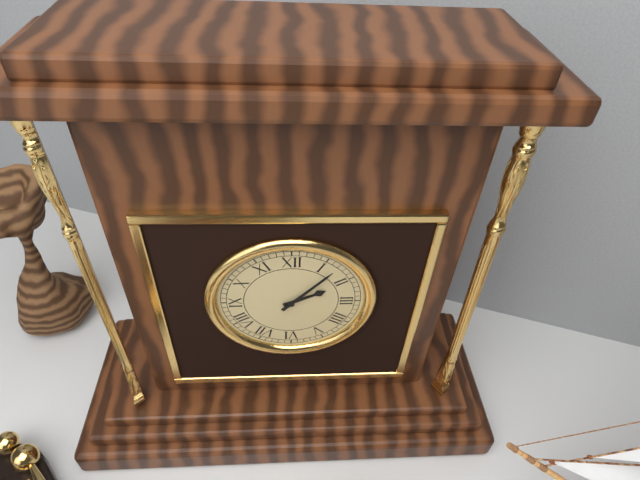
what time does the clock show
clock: 2:07
